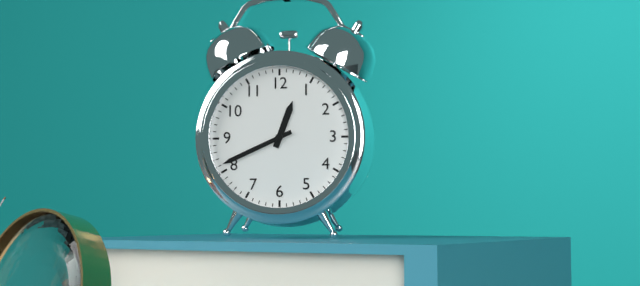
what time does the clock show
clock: 12:41
